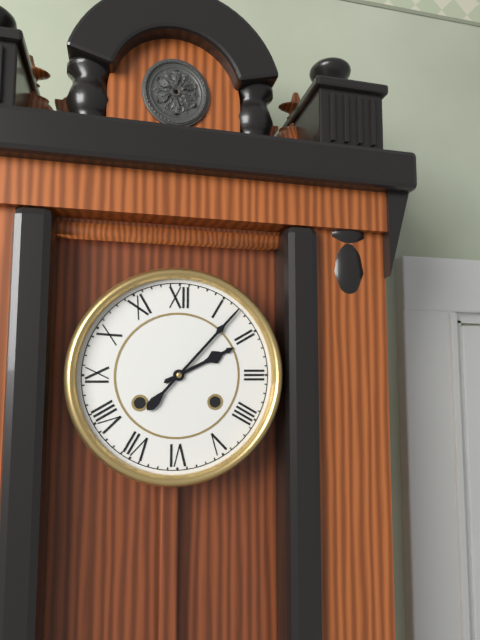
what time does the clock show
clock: 2:07
